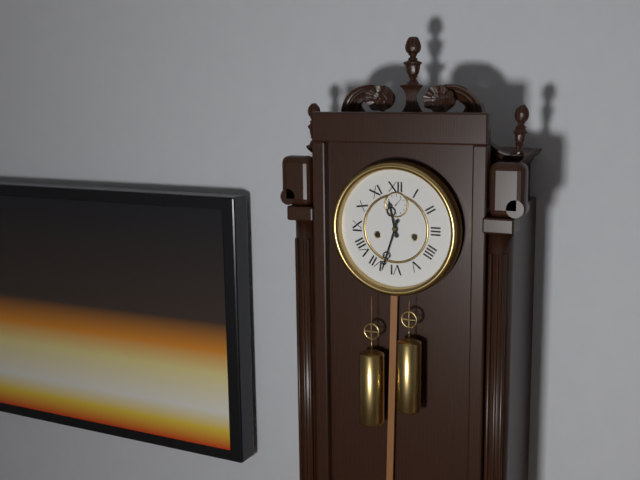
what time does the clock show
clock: 11:33
